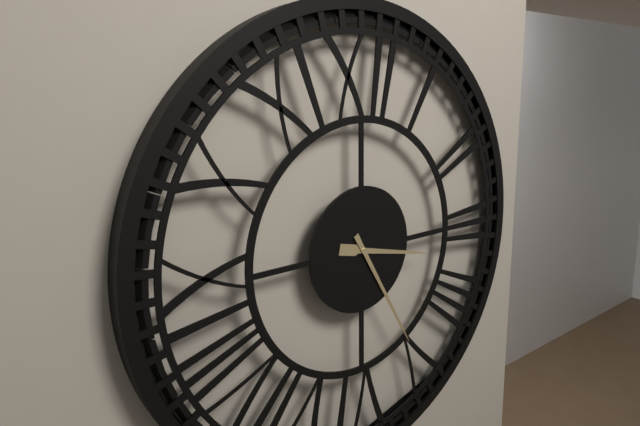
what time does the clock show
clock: 3:25
